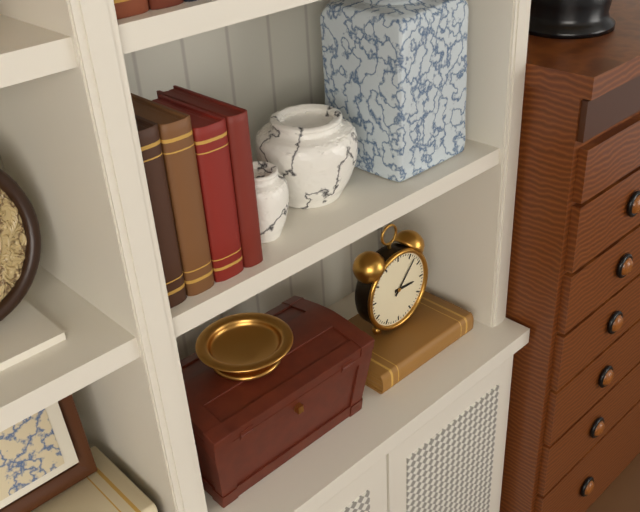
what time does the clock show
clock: 3:07
